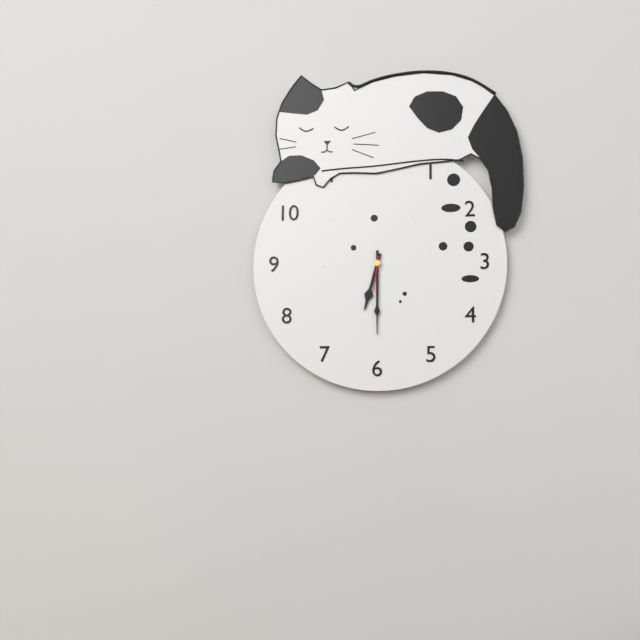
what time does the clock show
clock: 6:30
